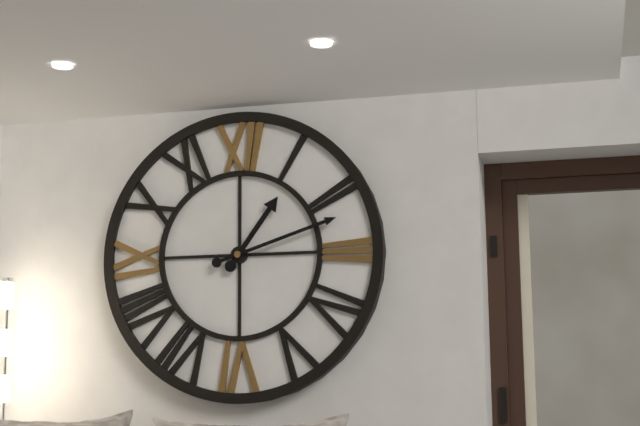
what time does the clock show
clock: 1:12
